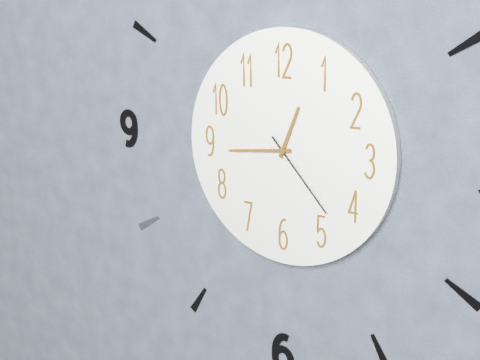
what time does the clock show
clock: 12:44:23
